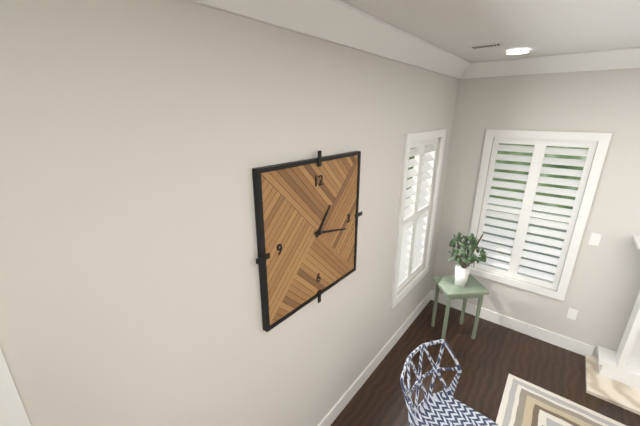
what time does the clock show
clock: 1:17
